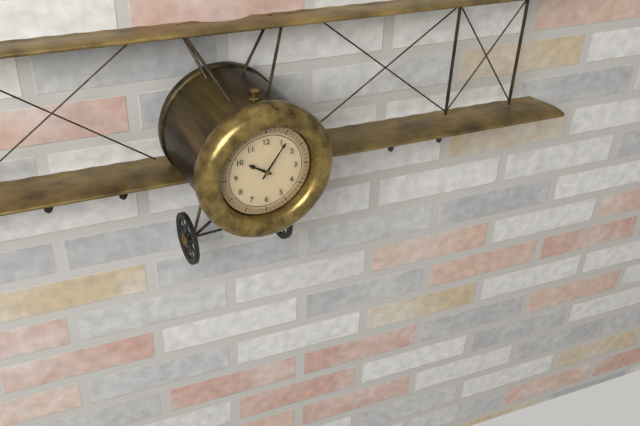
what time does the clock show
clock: 10:06
